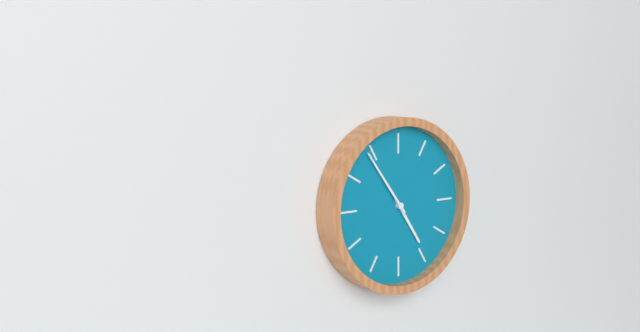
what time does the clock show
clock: 4:54
